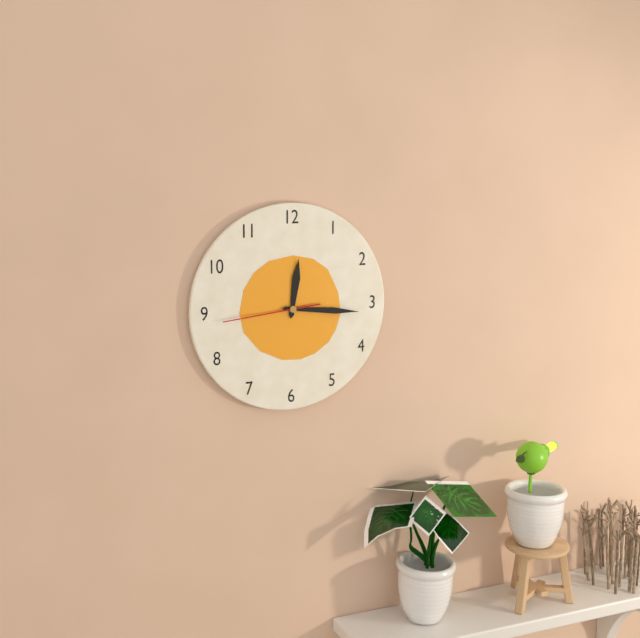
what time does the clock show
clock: 12:16:44
